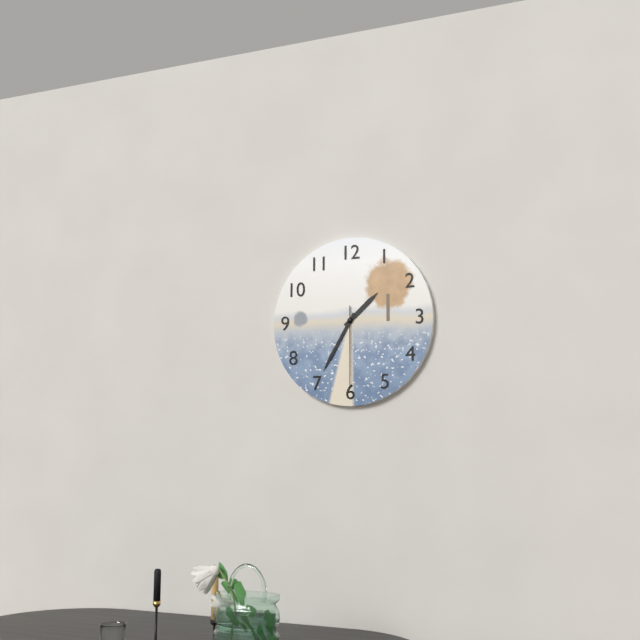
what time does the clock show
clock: 1:35:30
